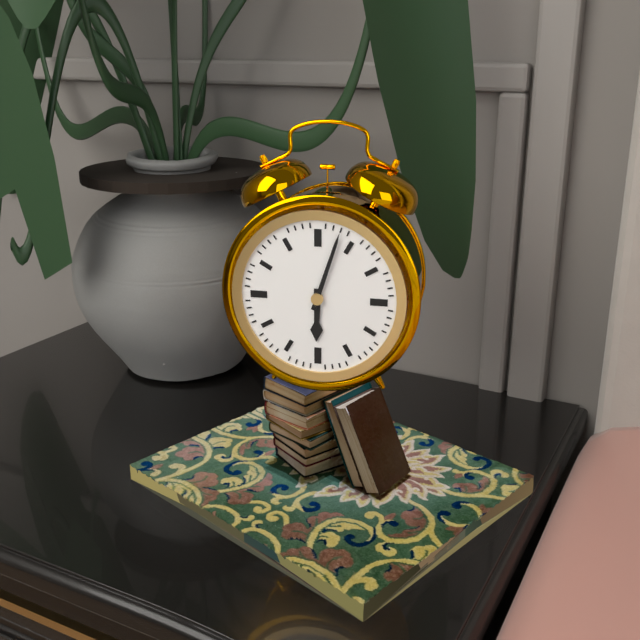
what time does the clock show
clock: 6:03
